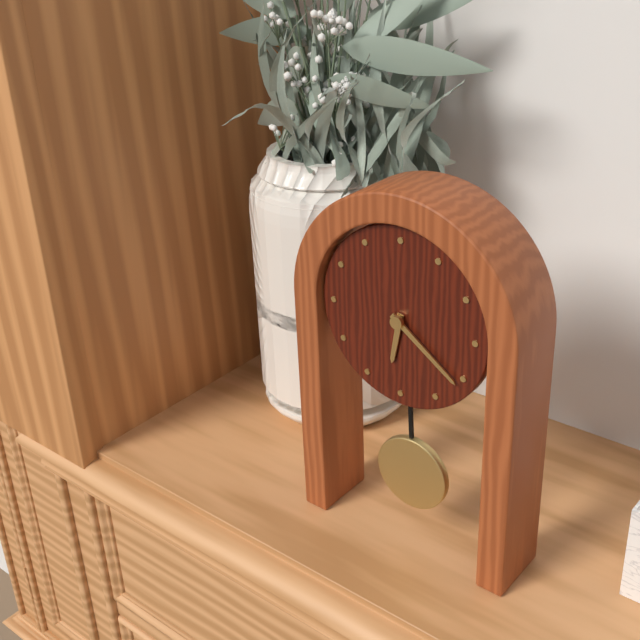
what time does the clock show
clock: 6:21
